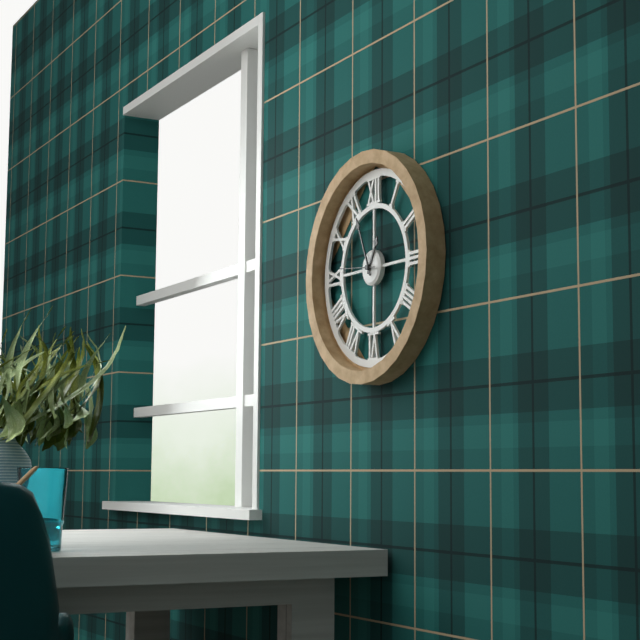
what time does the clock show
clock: 12:56:46
